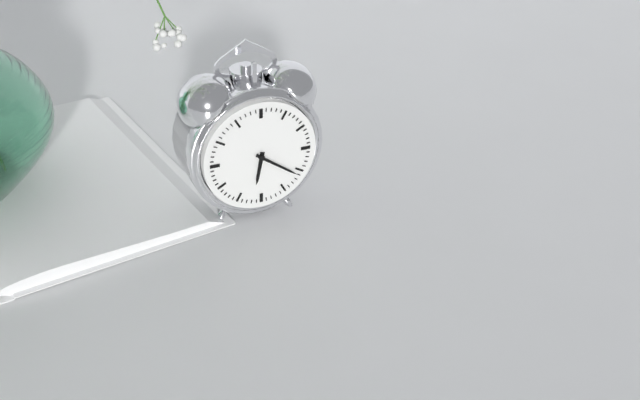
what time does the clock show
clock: 6:21
